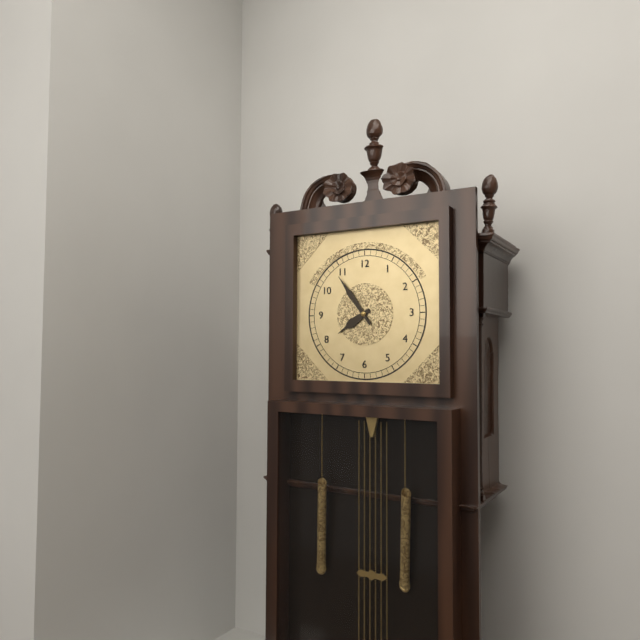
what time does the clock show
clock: 7:54
